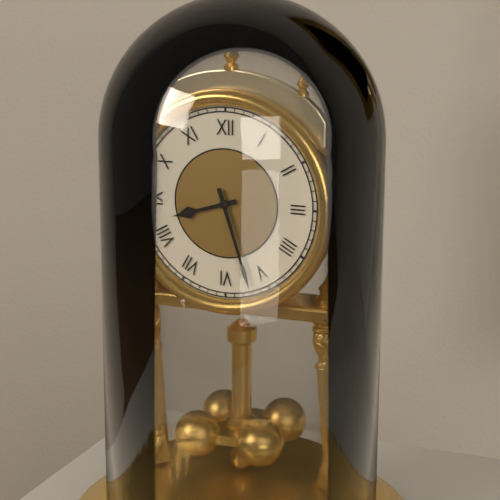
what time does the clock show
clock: 8:27
